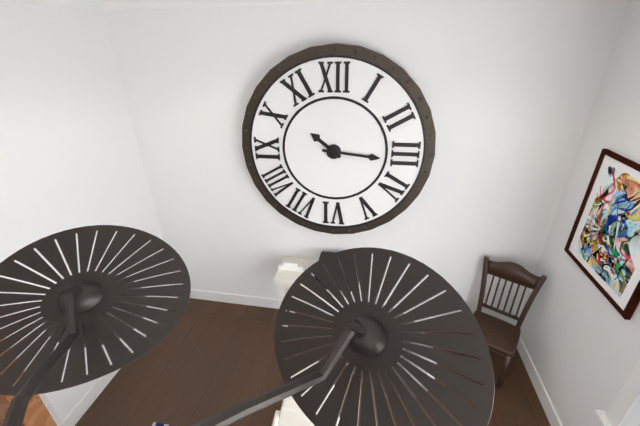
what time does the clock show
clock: 10:16
